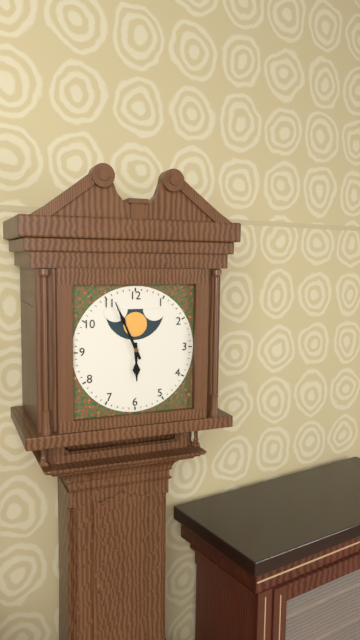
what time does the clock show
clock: 5:56
